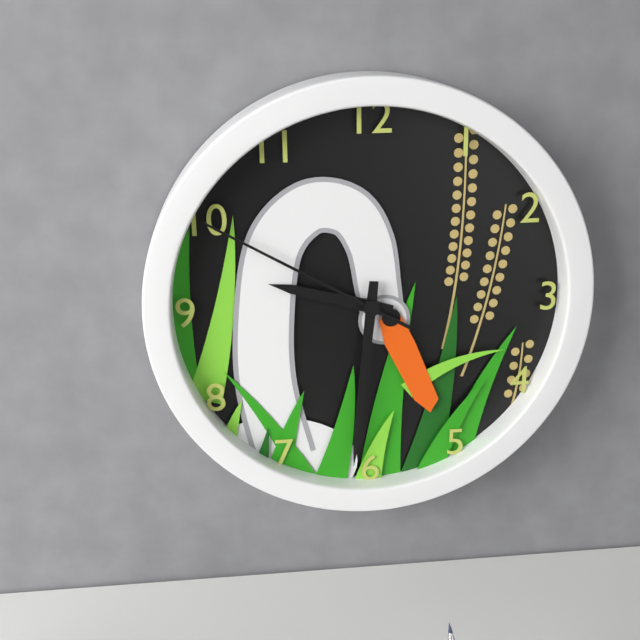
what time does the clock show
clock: 9:31:50
